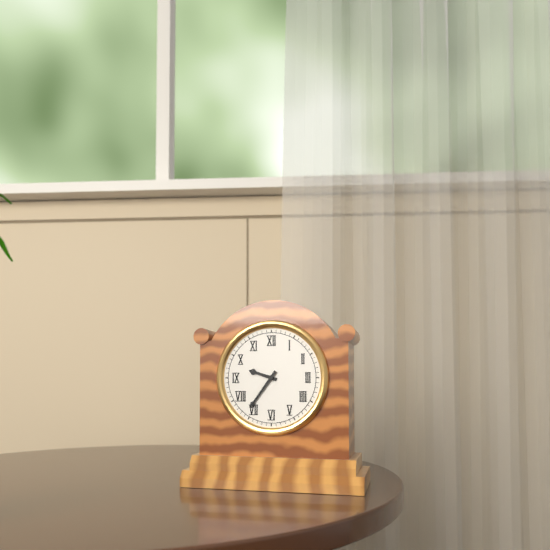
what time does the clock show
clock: 9:36
